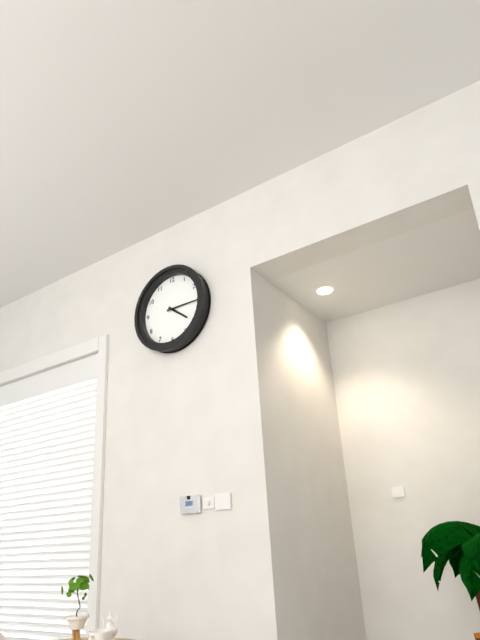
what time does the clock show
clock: 4:15
